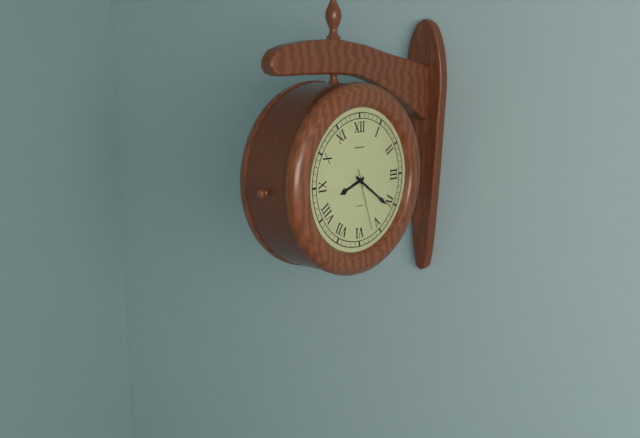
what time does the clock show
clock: 8:21:27
